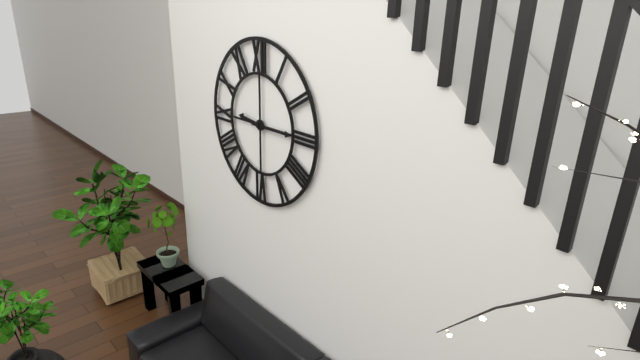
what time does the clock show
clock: 9:15
